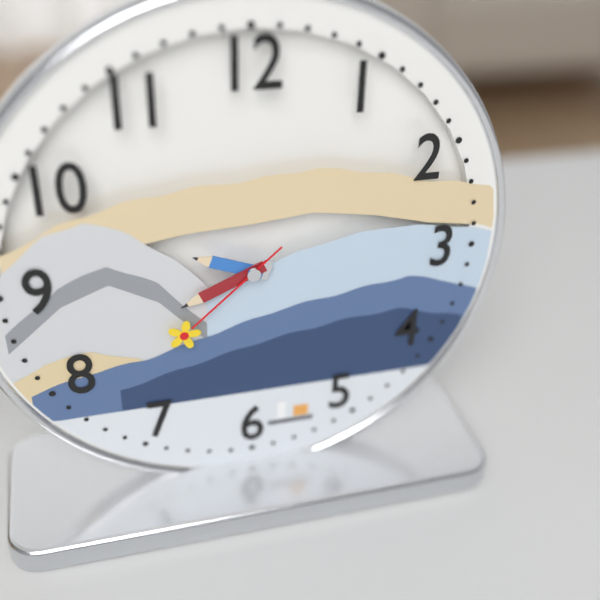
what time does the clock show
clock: 9:41:38
